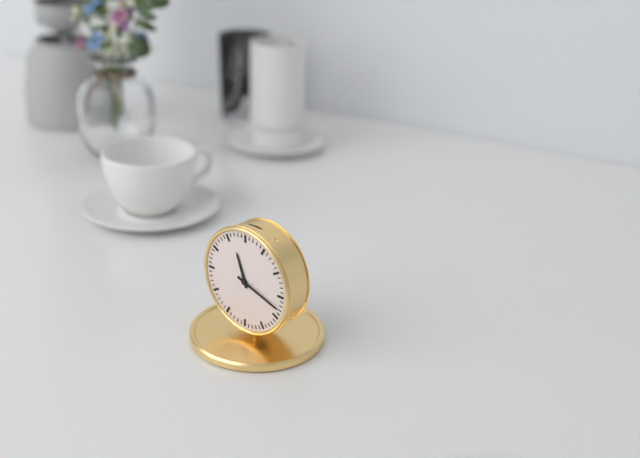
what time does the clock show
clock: 11:18
